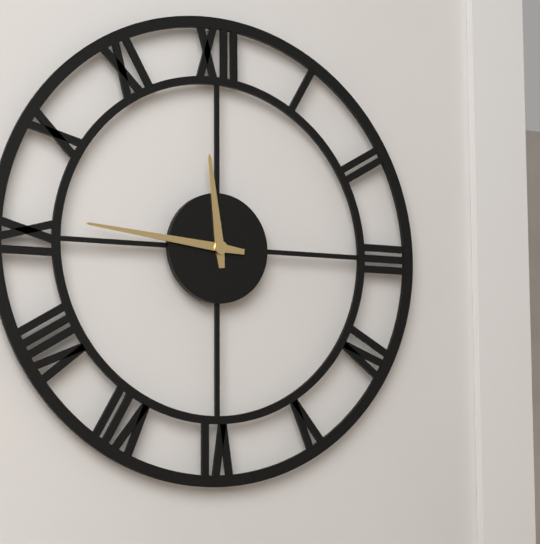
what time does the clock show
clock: 11:46
